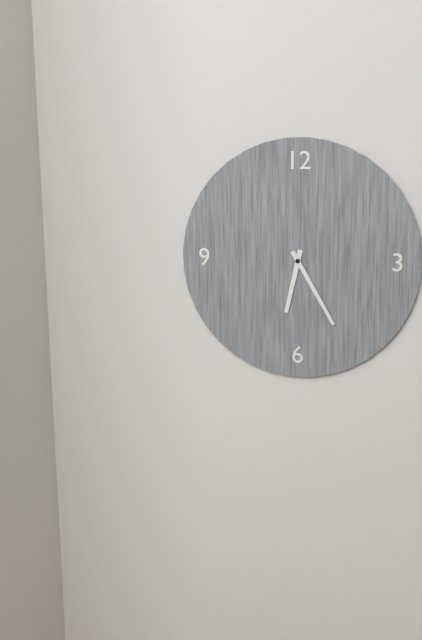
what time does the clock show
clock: 6:25
